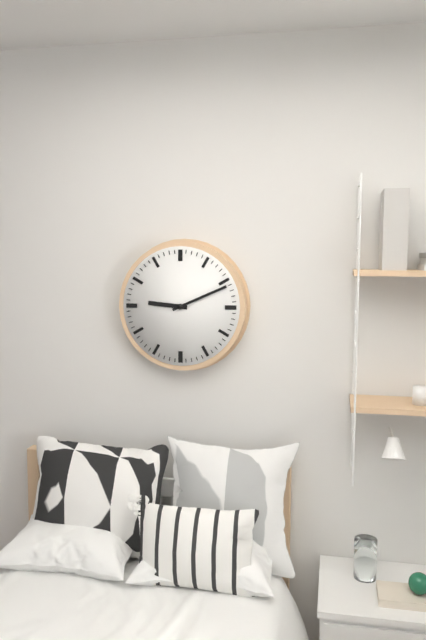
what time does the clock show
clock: 9:11
